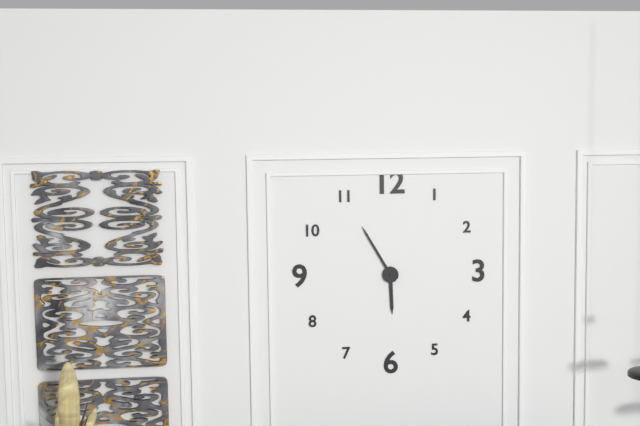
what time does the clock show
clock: 5:55
